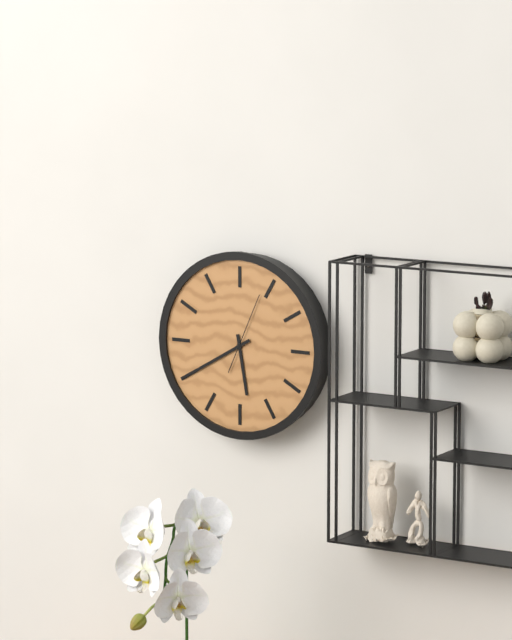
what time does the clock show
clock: 5:40:04
